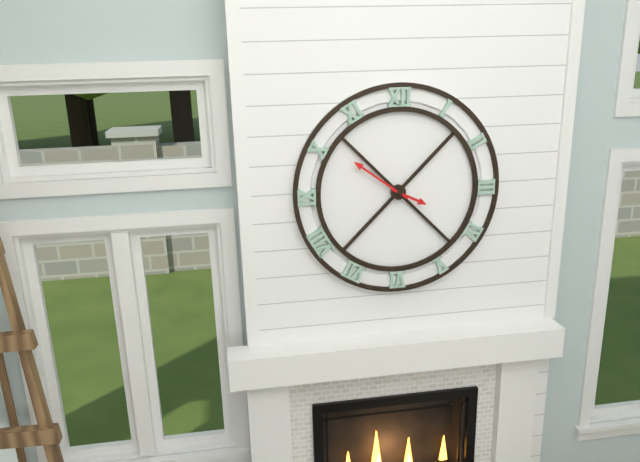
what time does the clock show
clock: 3:51
